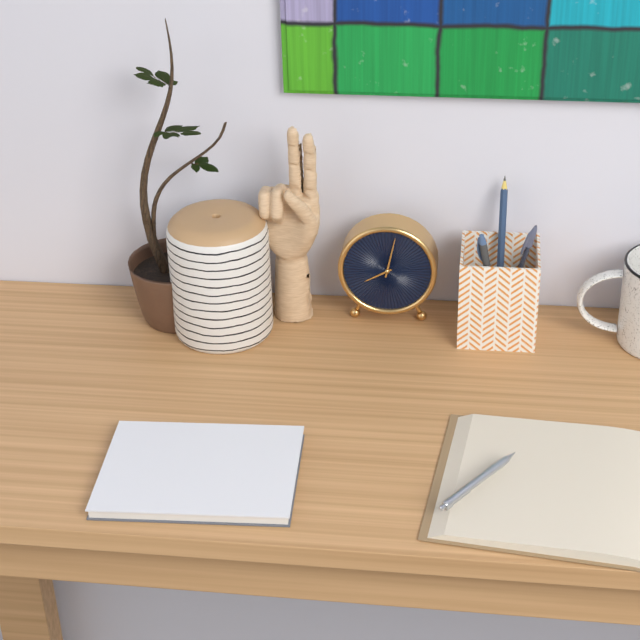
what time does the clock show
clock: 8:02
